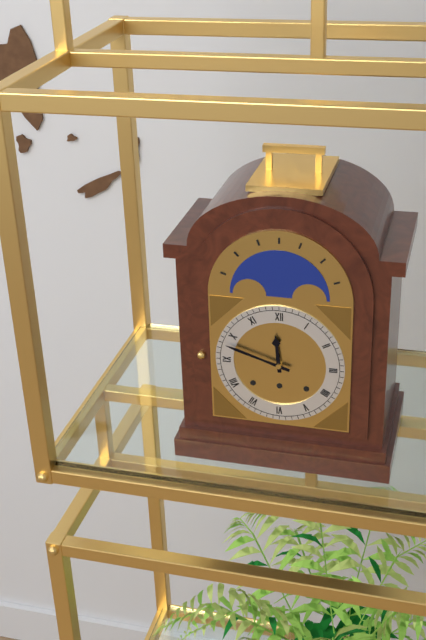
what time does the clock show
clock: 11:48
